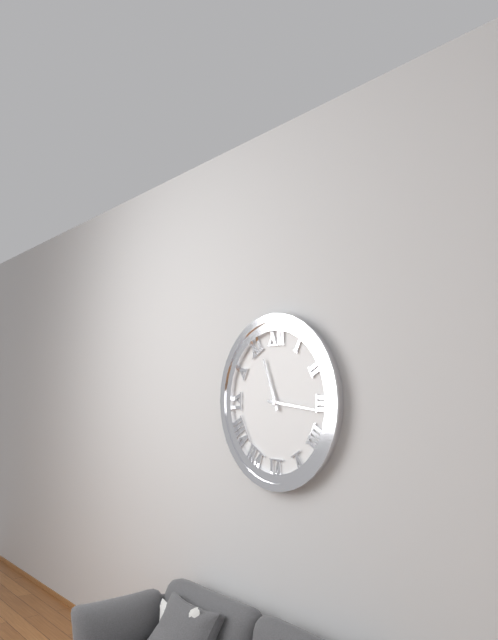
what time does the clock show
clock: 11:16
